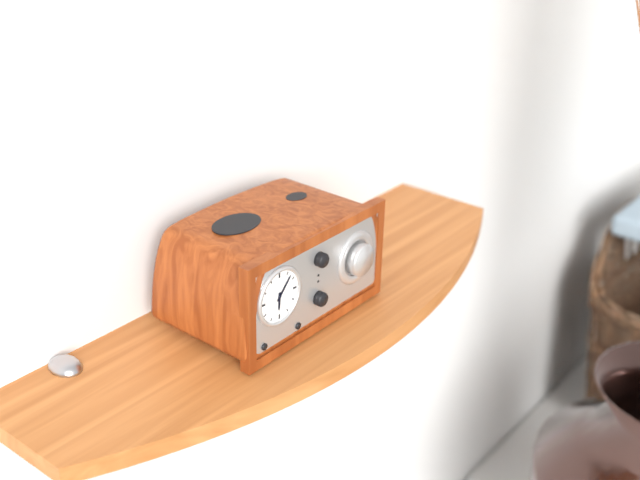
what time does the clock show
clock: 6:07
